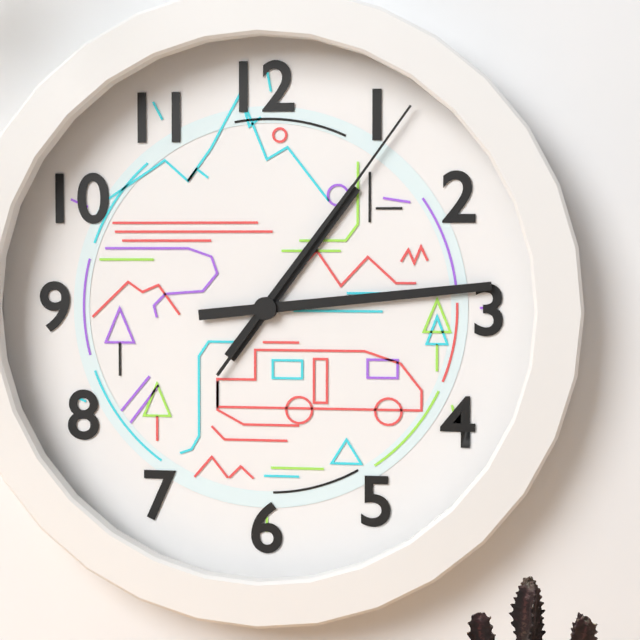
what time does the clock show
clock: 1:14:06
